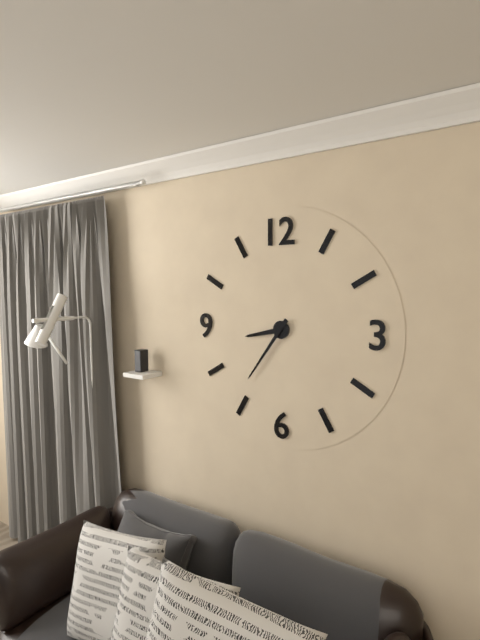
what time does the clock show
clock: 8:36
